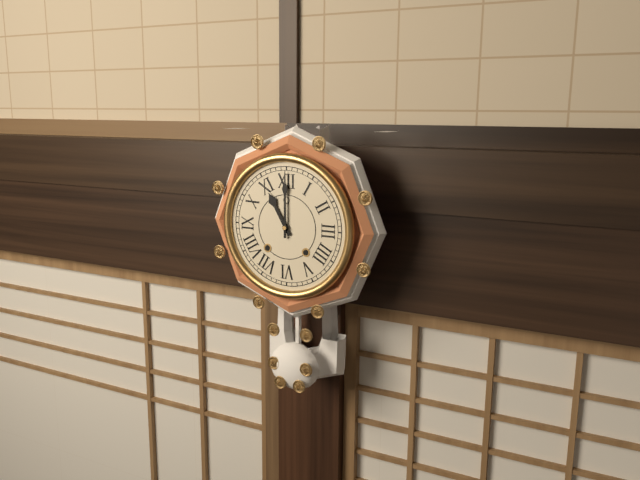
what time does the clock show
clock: 11:00
